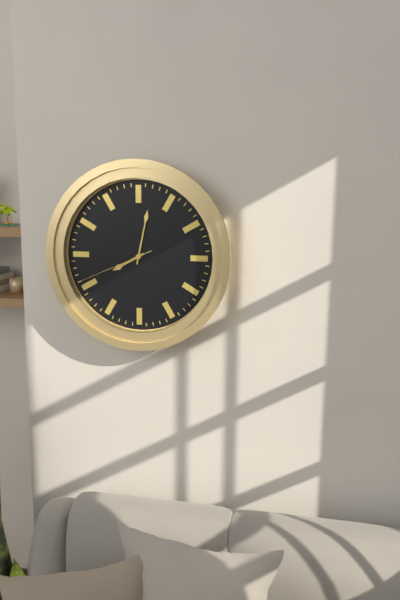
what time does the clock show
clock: 8:02:41
